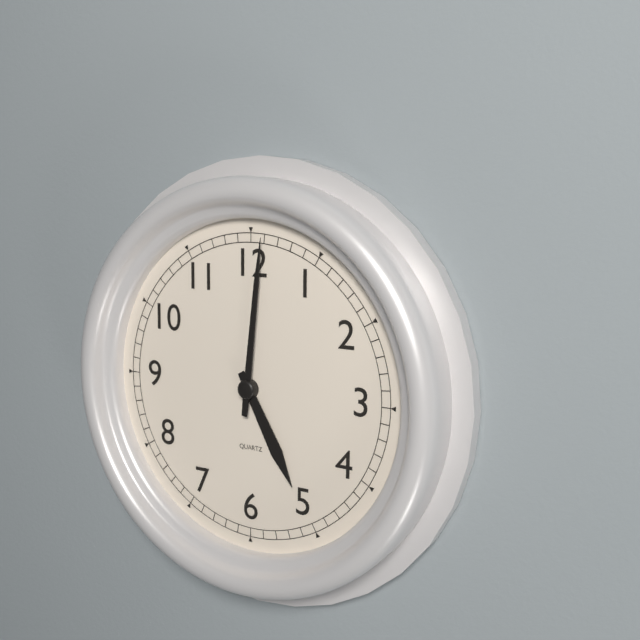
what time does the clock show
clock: 5:01
